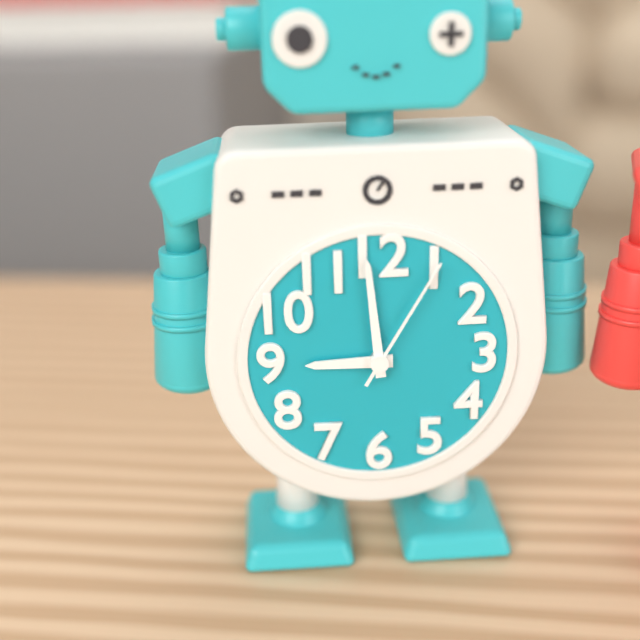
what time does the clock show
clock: 8:59:05
